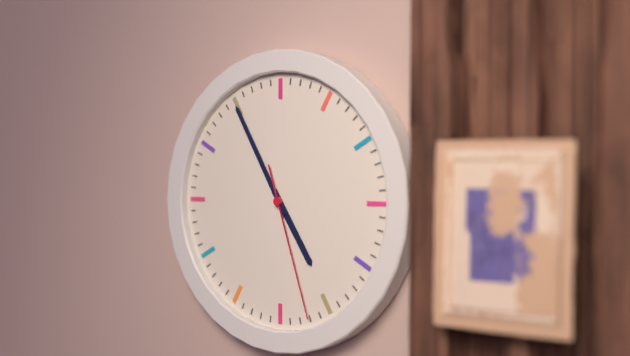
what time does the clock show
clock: 4:55:27
